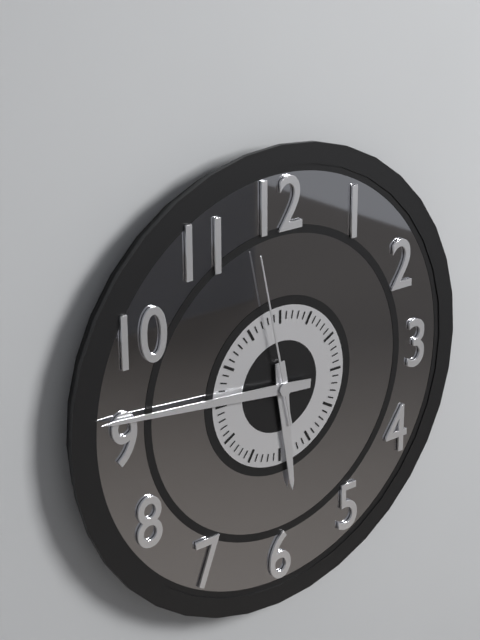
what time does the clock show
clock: 5:46:58
